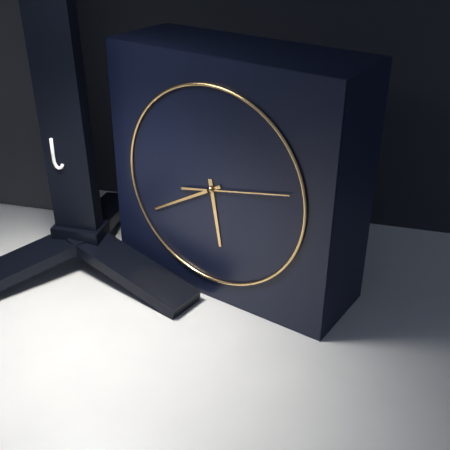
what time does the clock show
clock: 5:40:13
